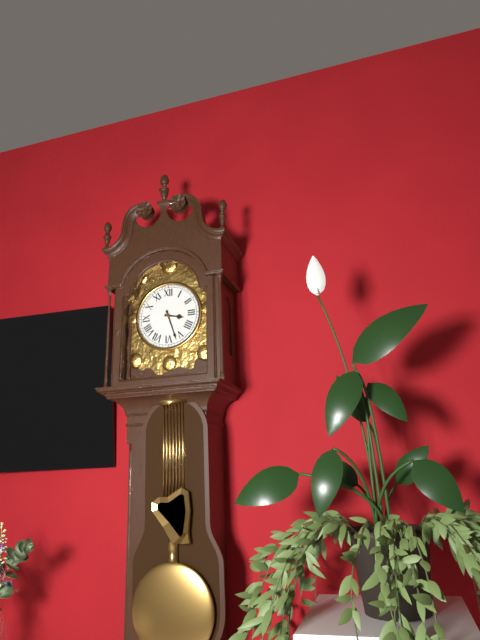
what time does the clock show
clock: 3:27
